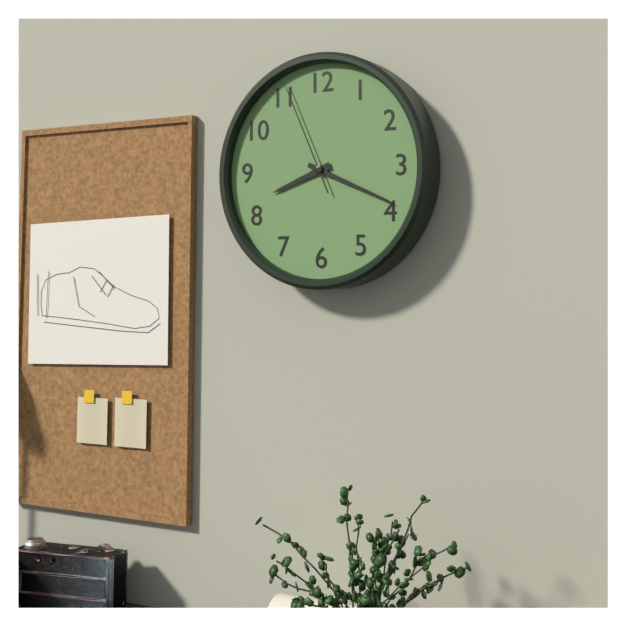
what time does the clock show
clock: 8:19:56
